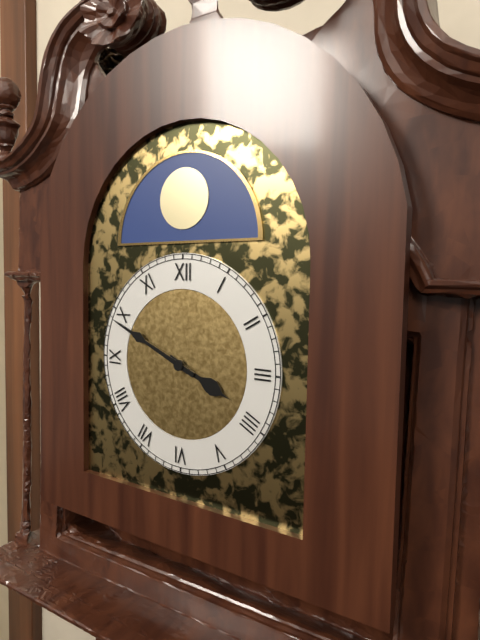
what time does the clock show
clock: 3:49
